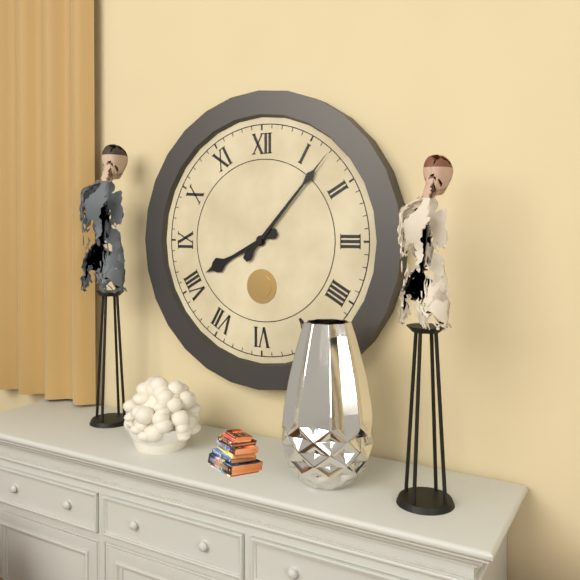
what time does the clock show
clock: 8:07
